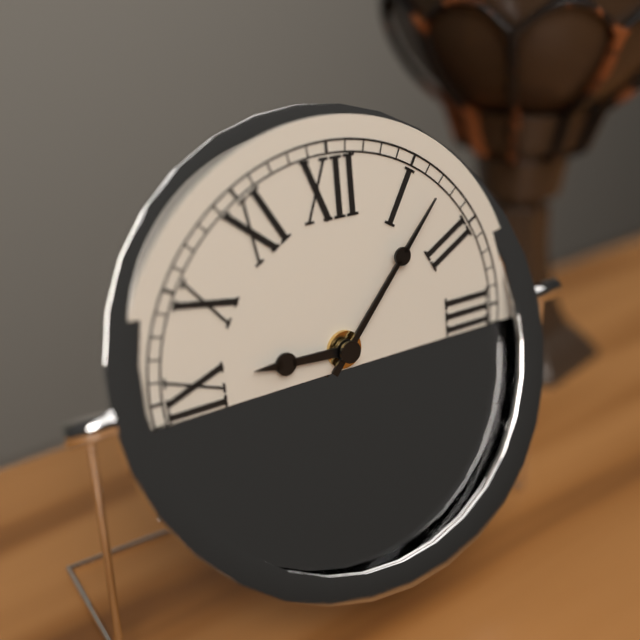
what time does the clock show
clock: 9:07
